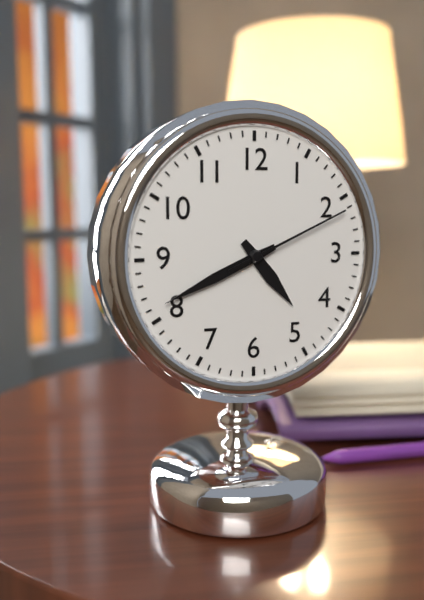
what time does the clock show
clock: 4:41:11
